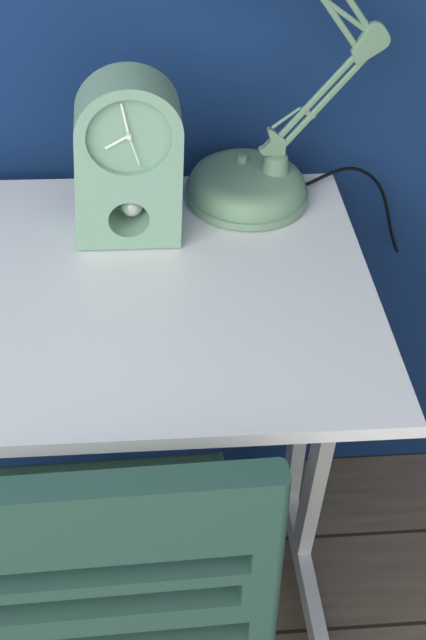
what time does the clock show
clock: 7:58
